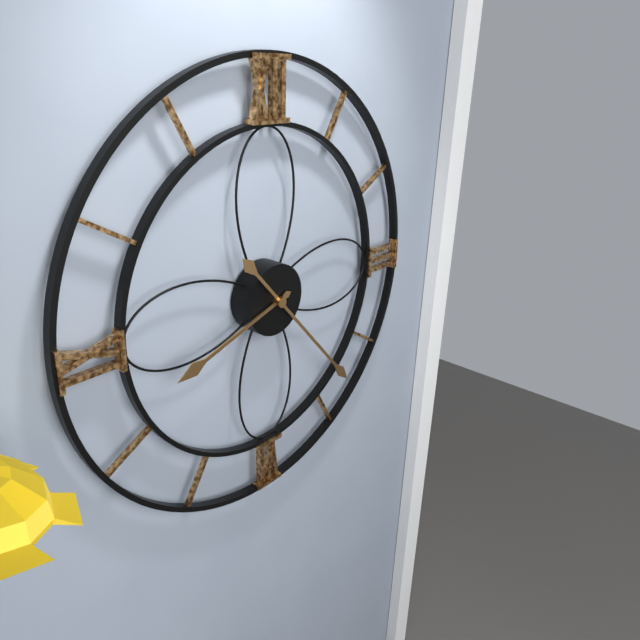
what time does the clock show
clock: 8:23
